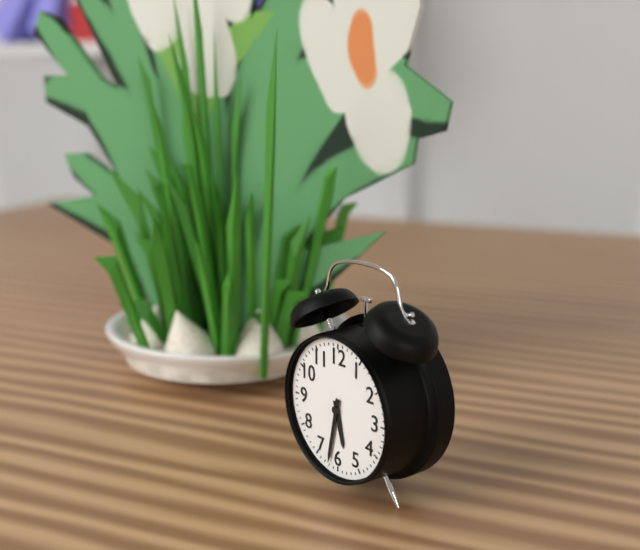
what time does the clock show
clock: 5:32
